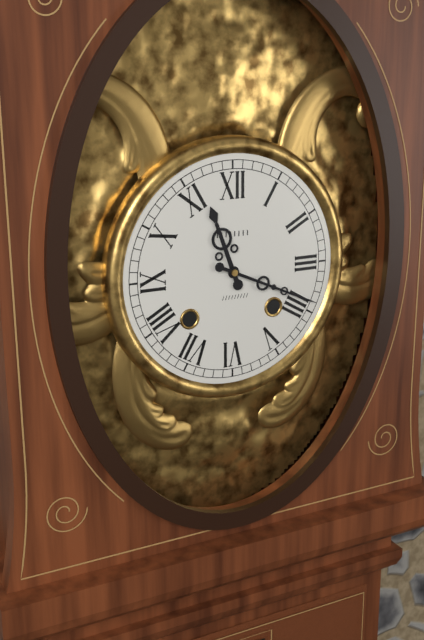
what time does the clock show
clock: 11:19
